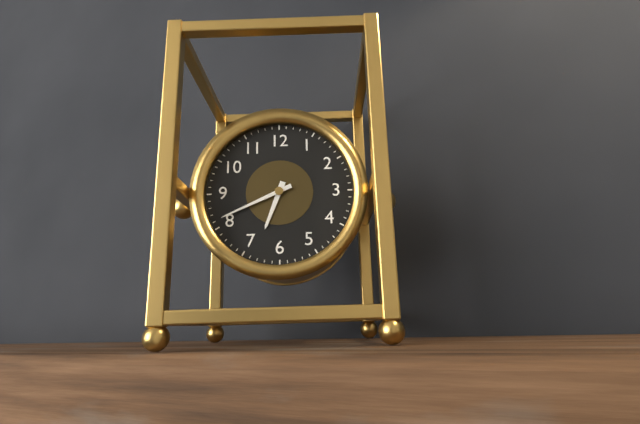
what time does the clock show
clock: 6:41
